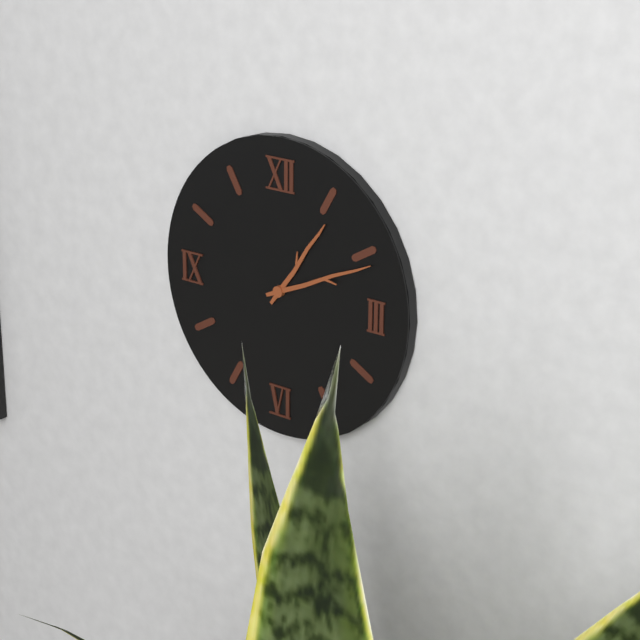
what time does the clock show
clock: 1:11
